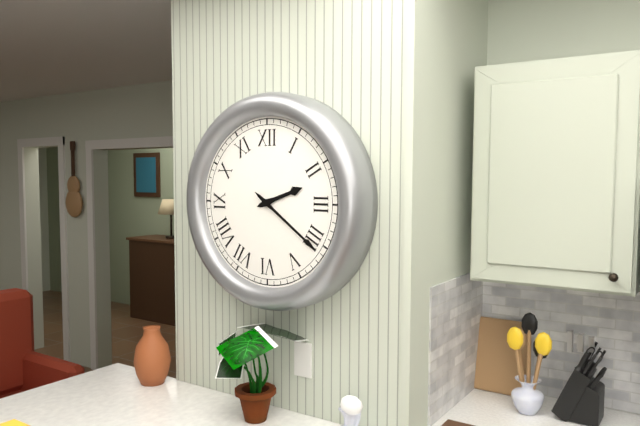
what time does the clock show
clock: 2:21
